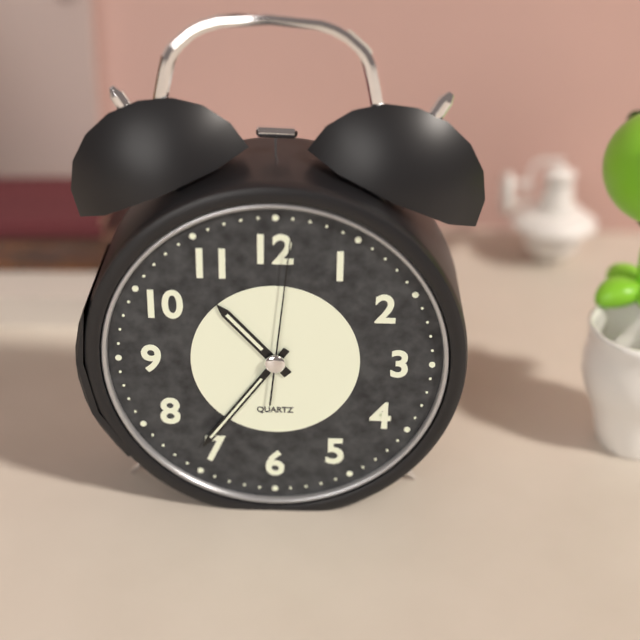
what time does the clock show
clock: 10:36:01
